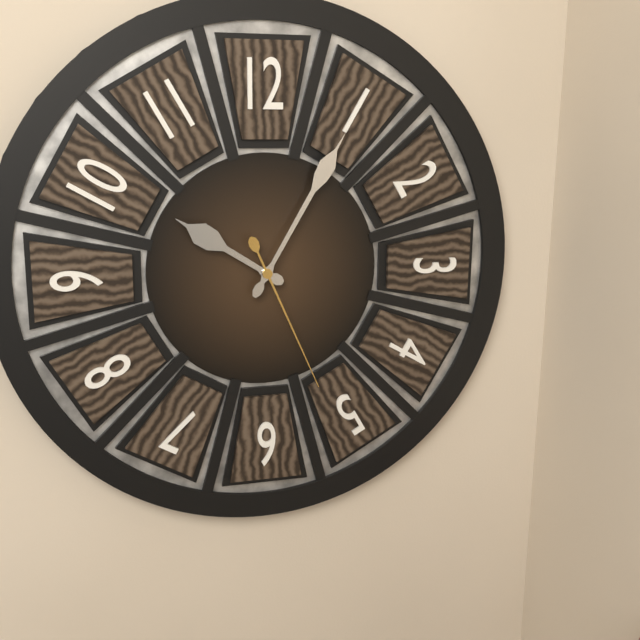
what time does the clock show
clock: 10:05:26
